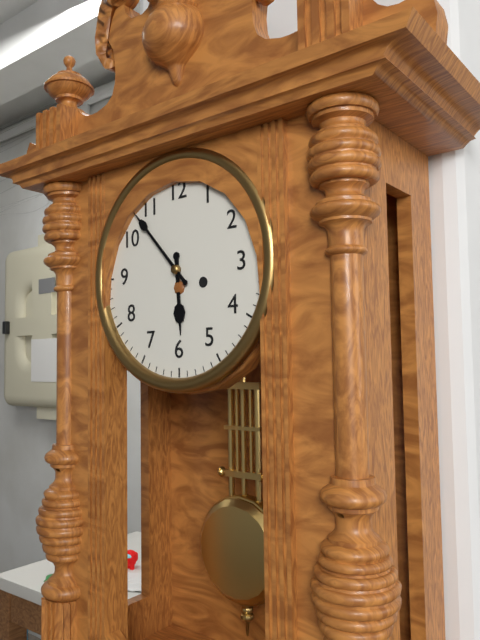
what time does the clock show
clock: 5:53
